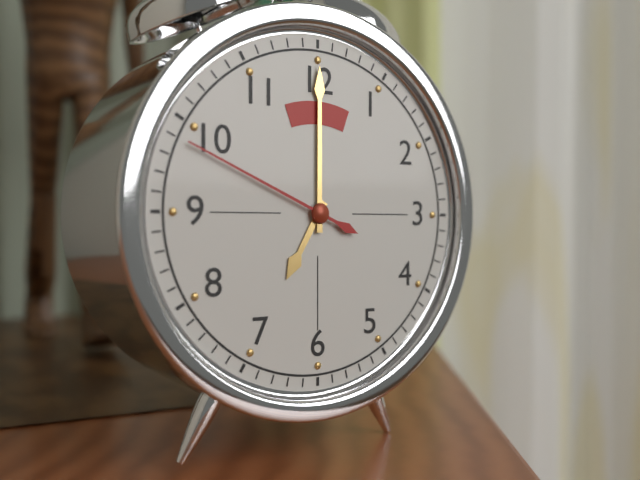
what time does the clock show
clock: 7:00:49
